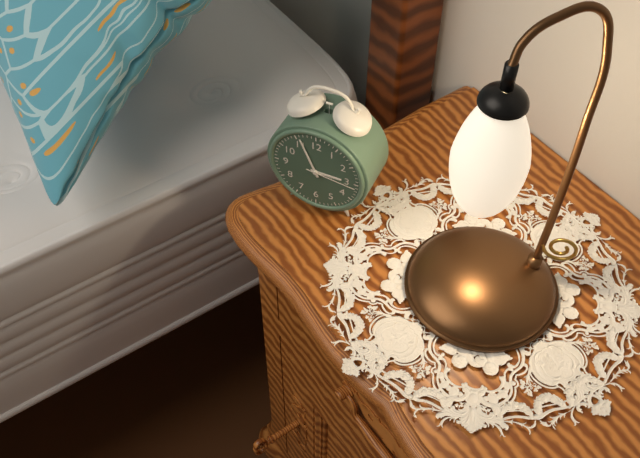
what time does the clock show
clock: 2:56:16
